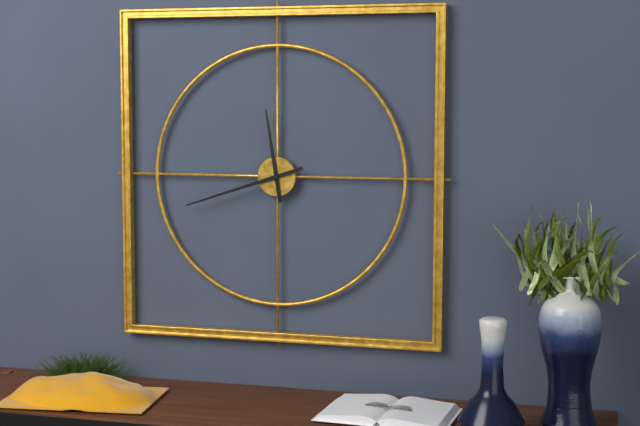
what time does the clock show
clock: 11:42
